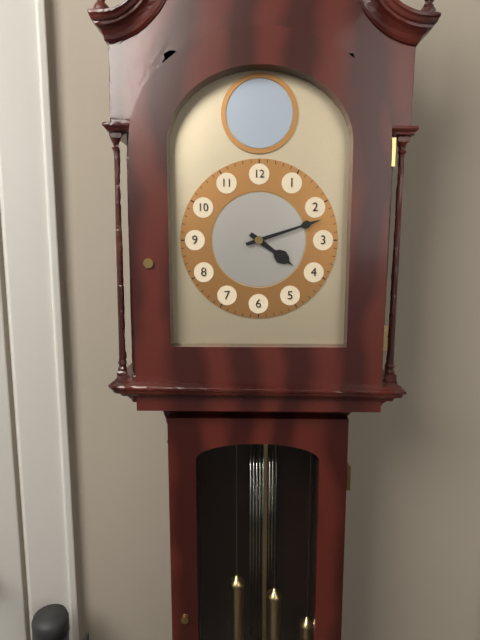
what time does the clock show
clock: 4:12
